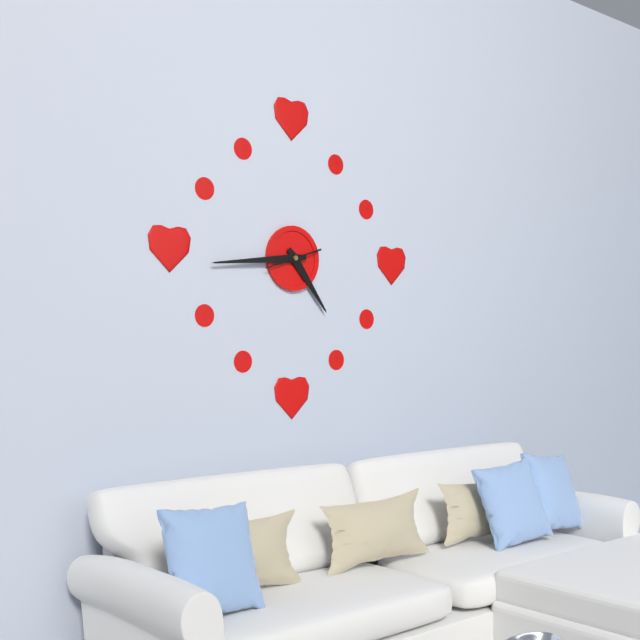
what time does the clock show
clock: 4:44
